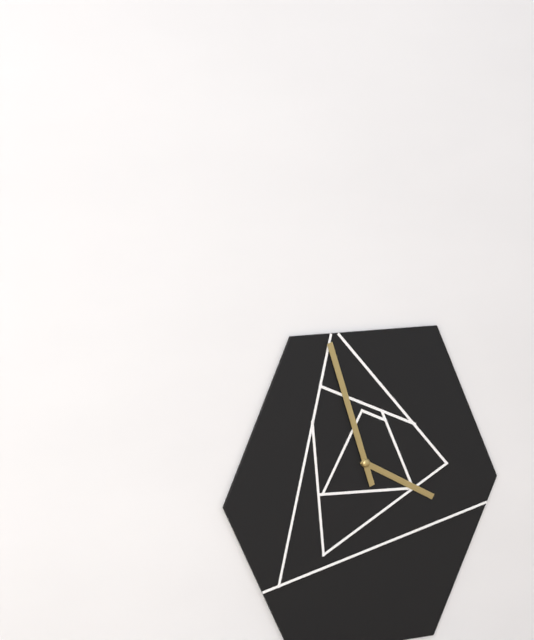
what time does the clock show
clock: 3:57
